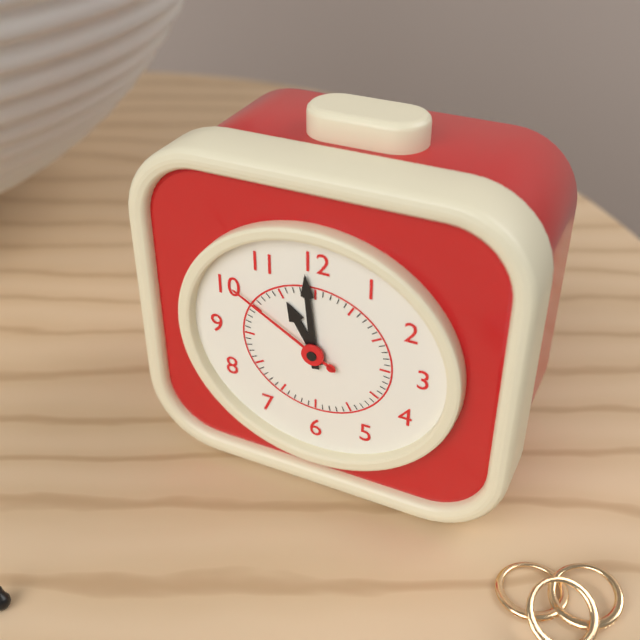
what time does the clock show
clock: 10:59:50
